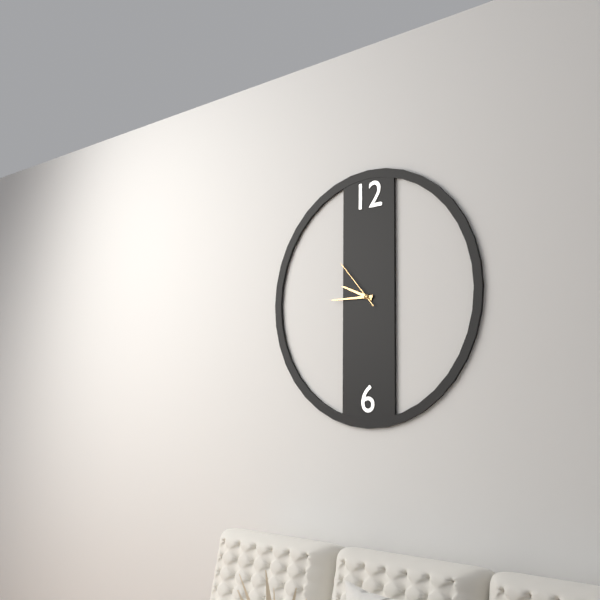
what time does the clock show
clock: 9:45:53
